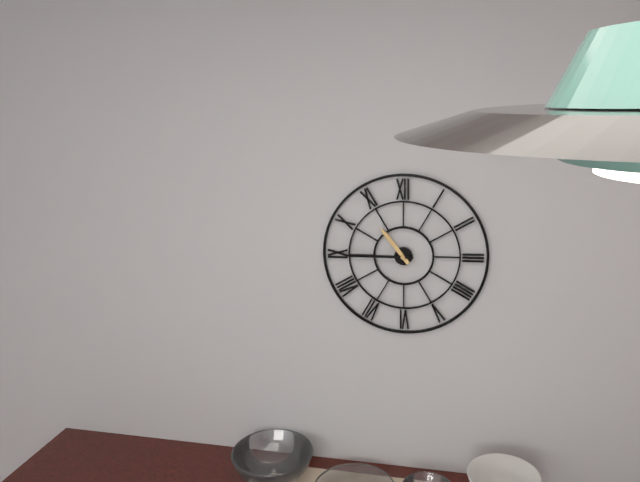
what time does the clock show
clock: 10:45
